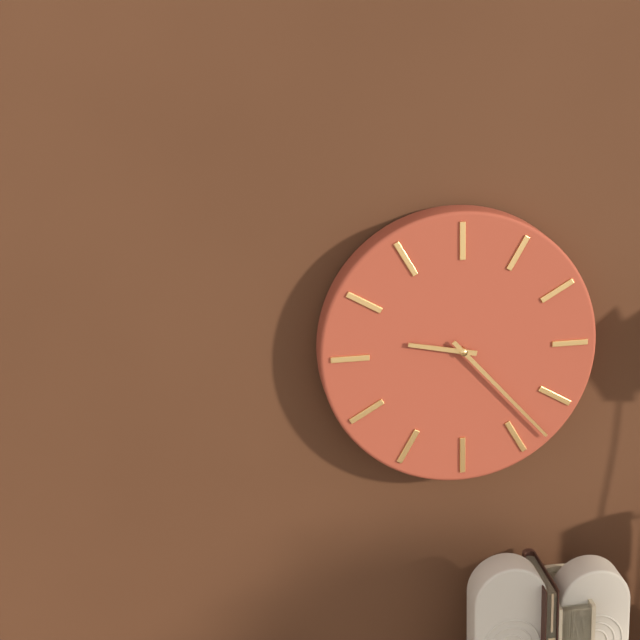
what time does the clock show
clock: 9:23
